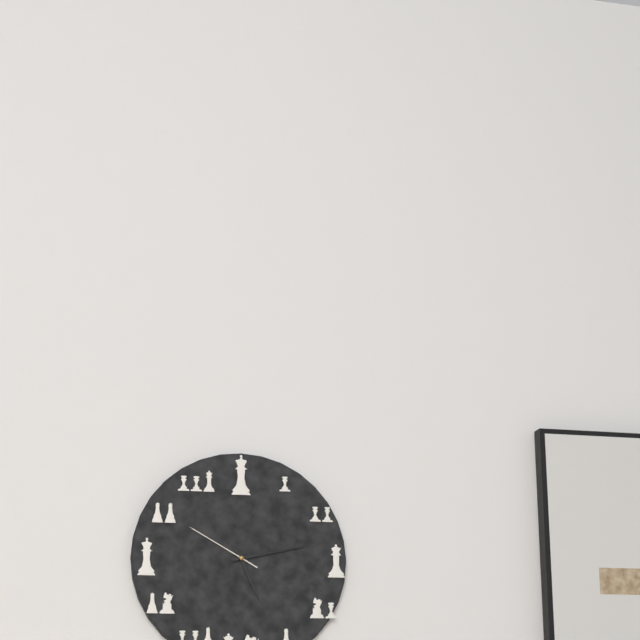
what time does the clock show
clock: 5:13:50
